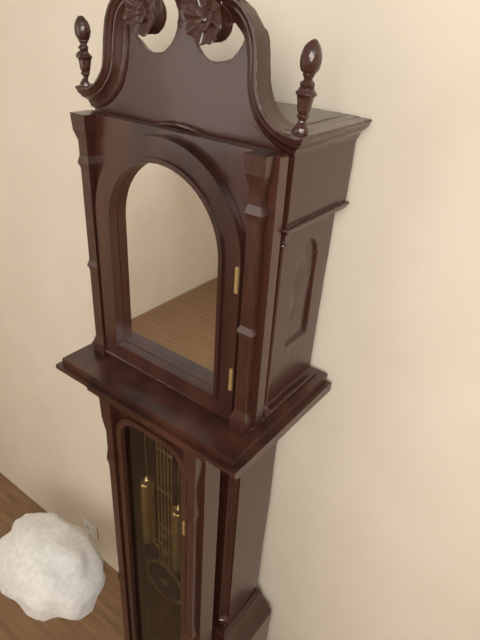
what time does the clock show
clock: 8:34
